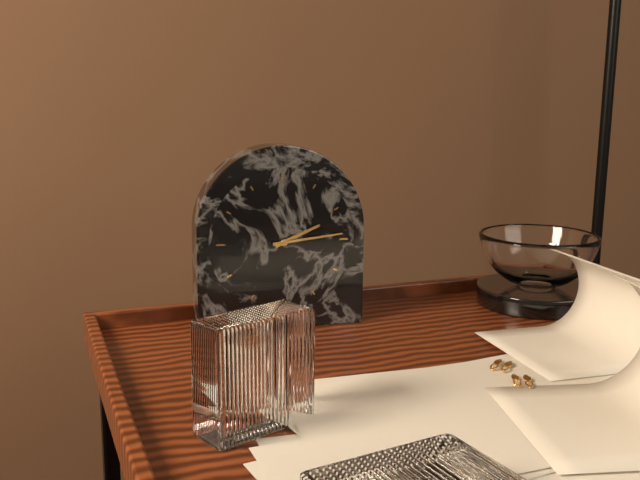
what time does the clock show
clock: 2:14
